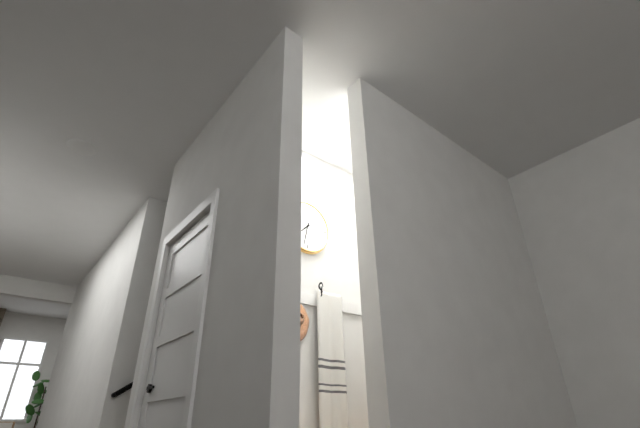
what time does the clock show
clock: 7:32
